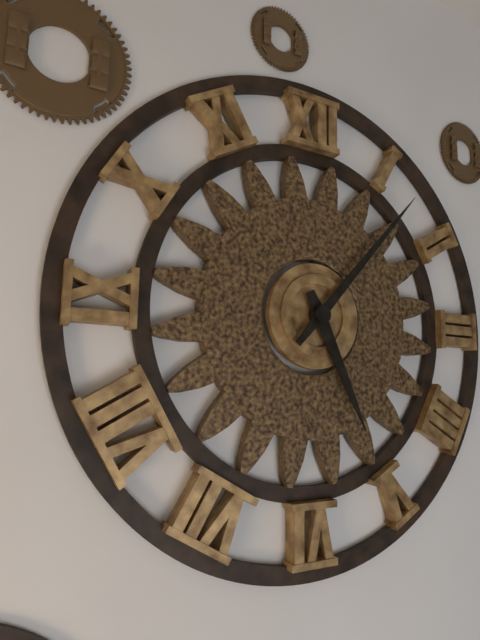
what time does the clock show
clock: 5:07
